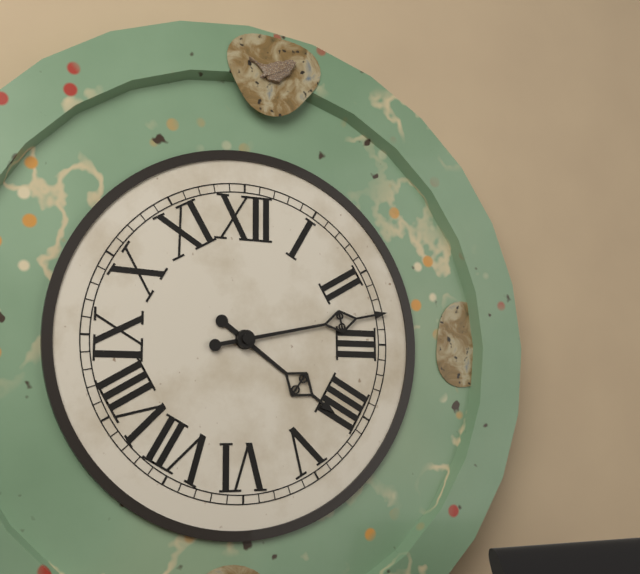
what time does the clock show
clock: 4:13
